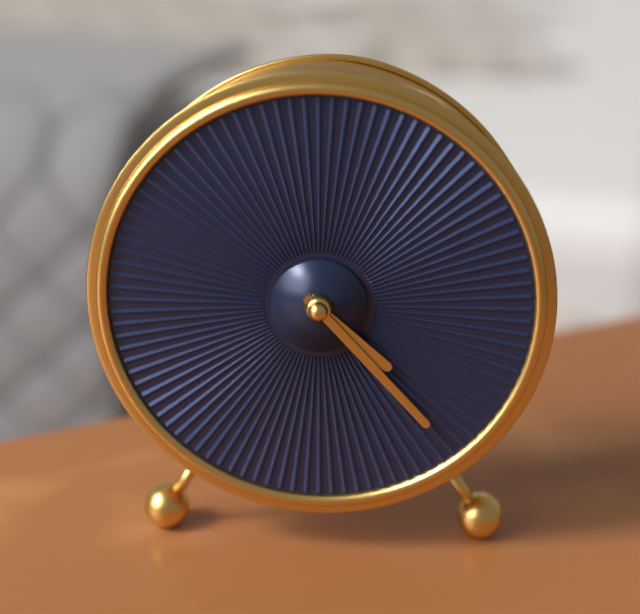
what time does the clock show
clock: 4:23
